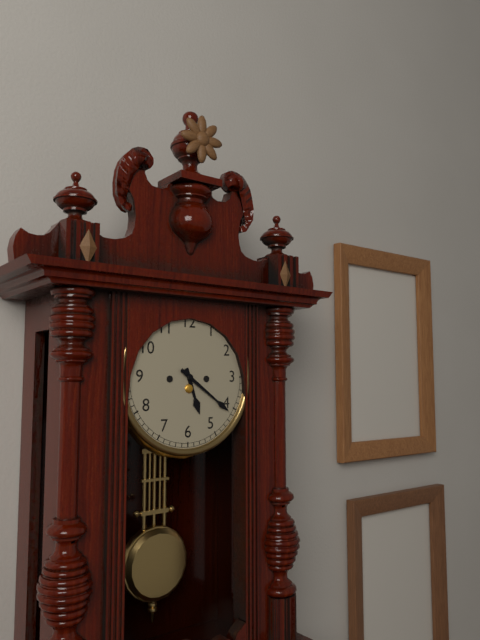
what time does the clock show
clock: 5:21
